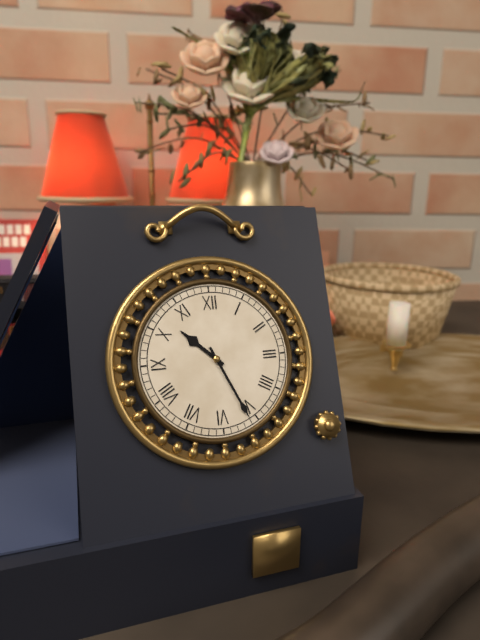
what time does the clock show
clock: 10:26
